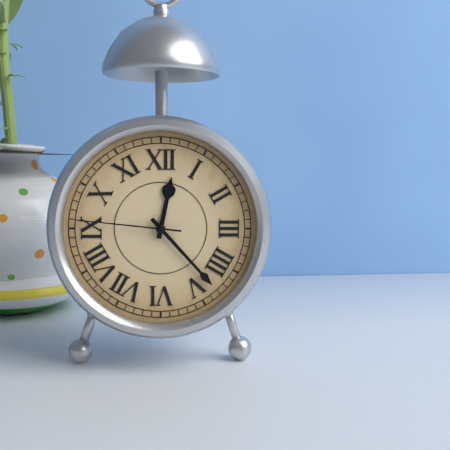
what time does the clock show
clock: 12:23:46
